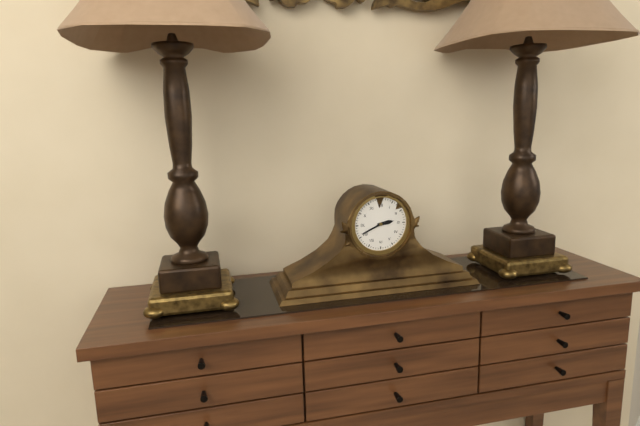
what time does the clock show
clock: 2:41
